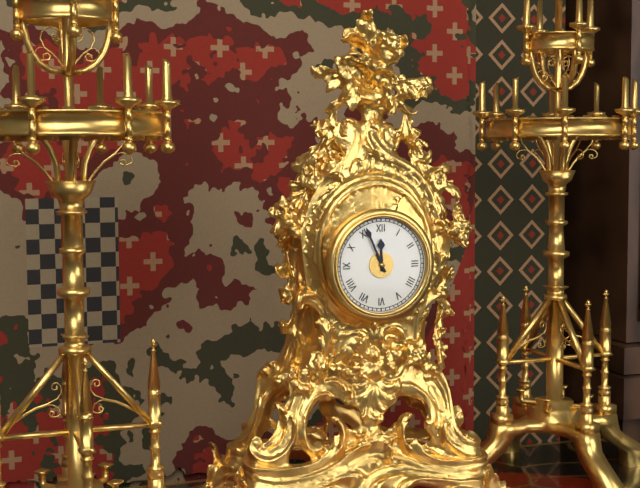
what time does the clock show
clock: 11:56
